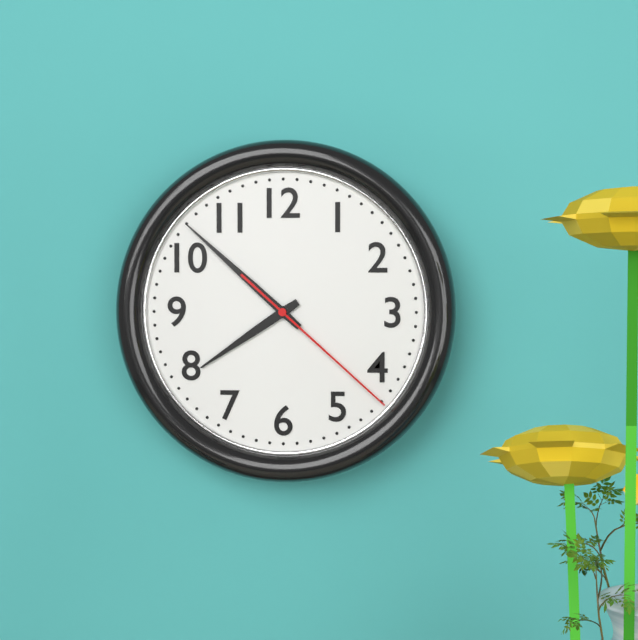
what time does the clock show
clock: 7:52:22
